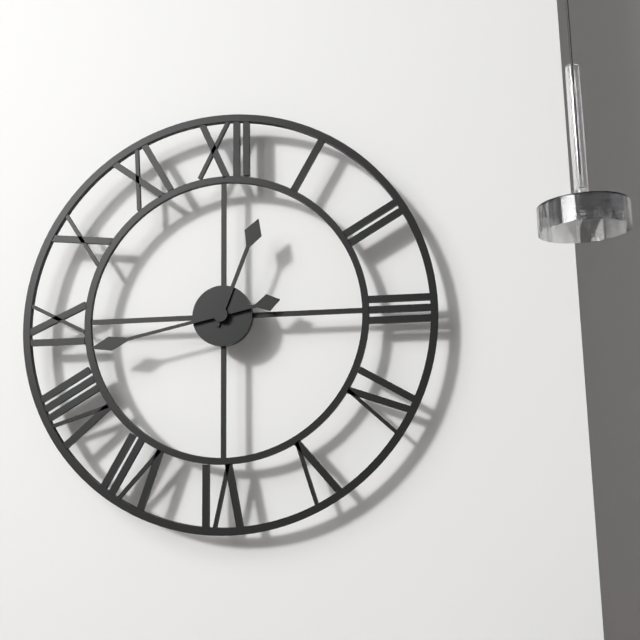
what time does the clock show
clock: 12:43
